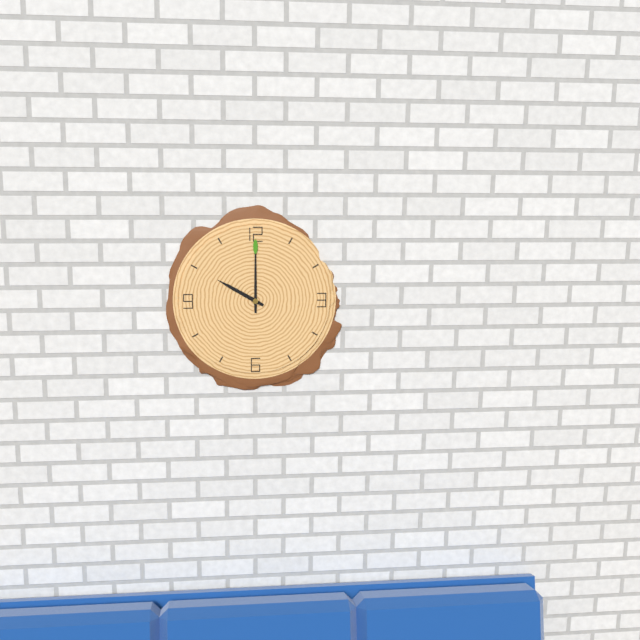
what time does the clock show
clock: 10:00
